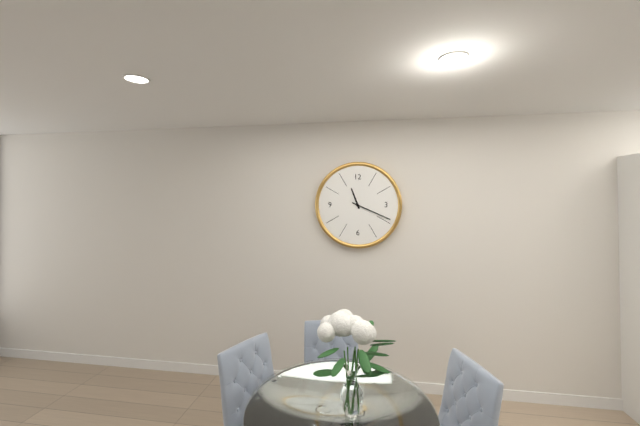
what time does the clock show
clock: 11:19
